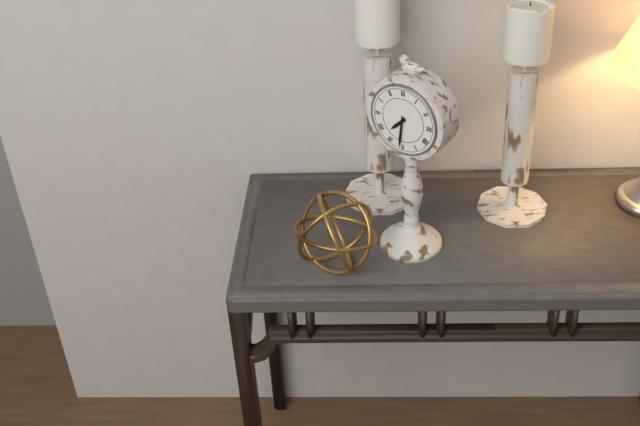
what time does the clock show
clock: 7:31
